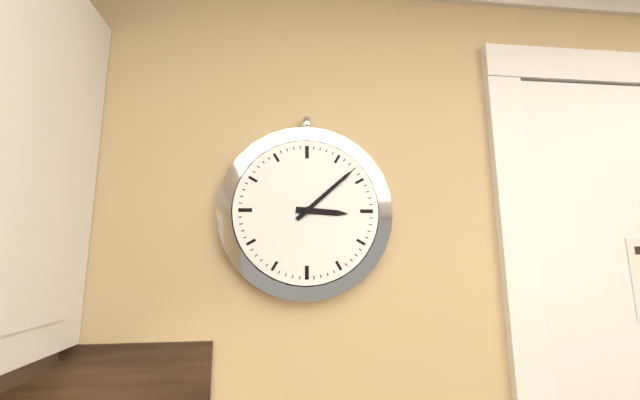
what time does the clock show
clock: 3:08
